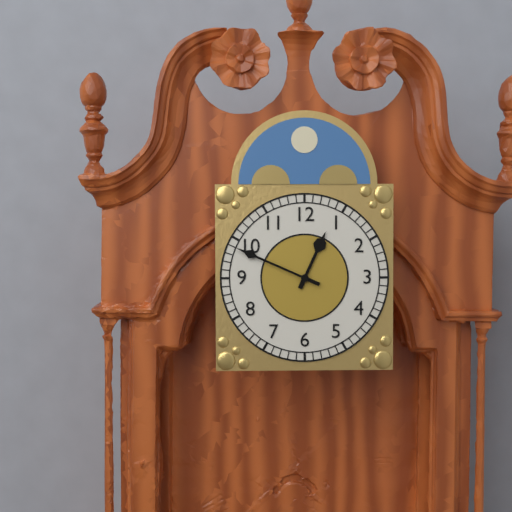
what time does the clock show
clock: 12:49
